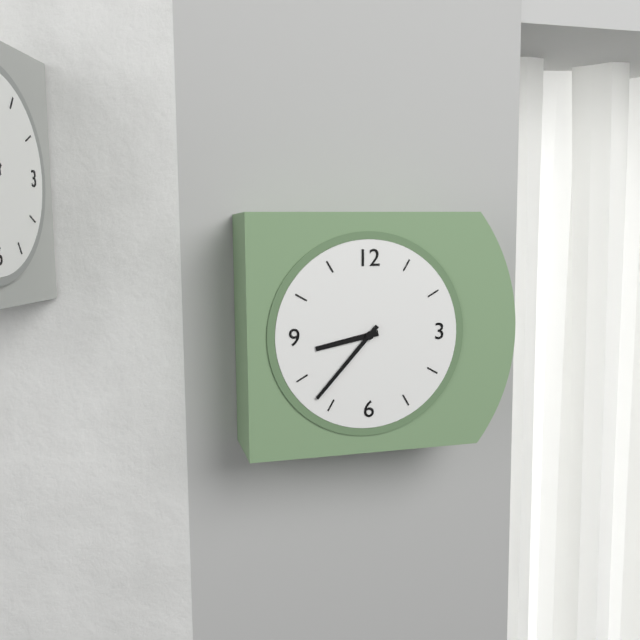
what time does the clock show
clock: 8:37
